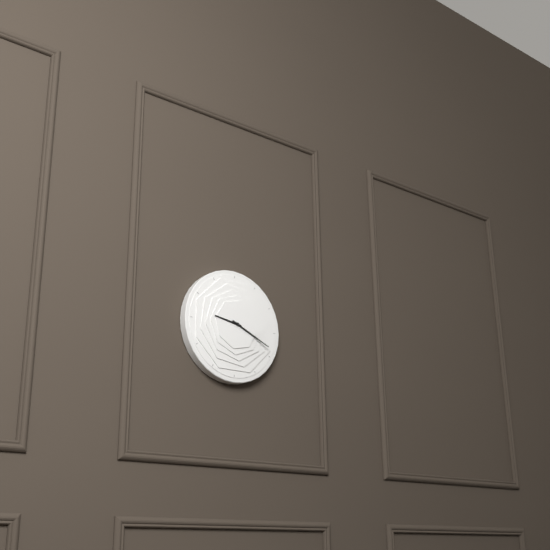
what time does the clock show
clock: 9:19
